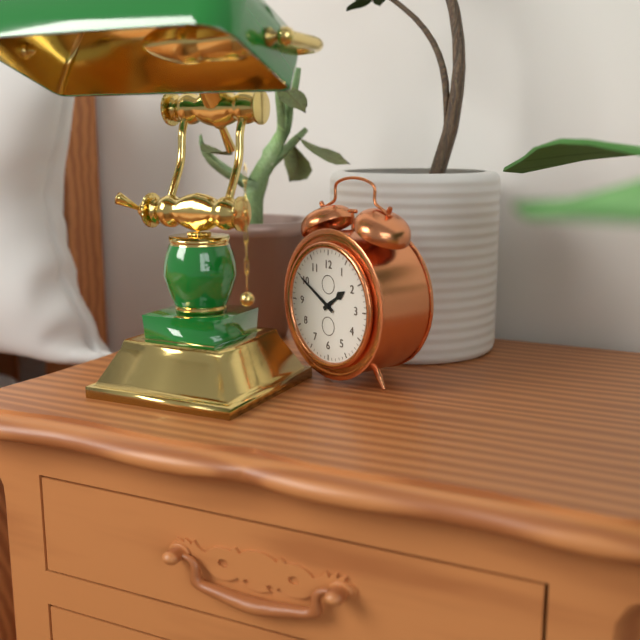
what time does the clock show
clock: 1:50
